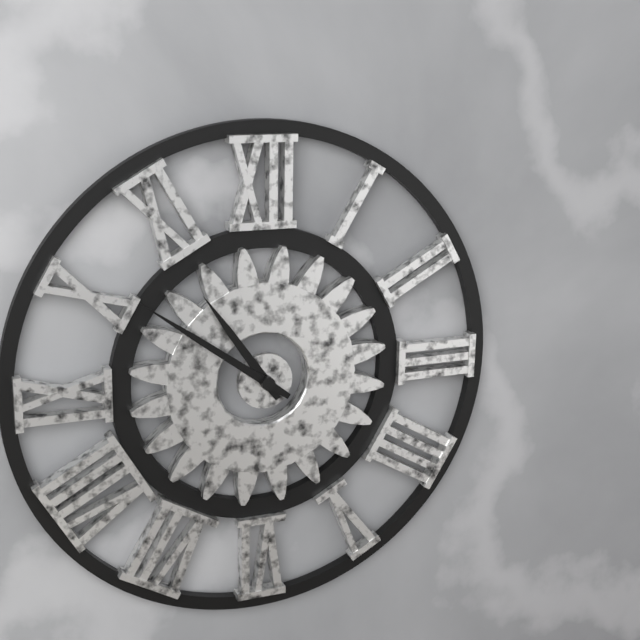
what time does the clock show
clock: 10:51
